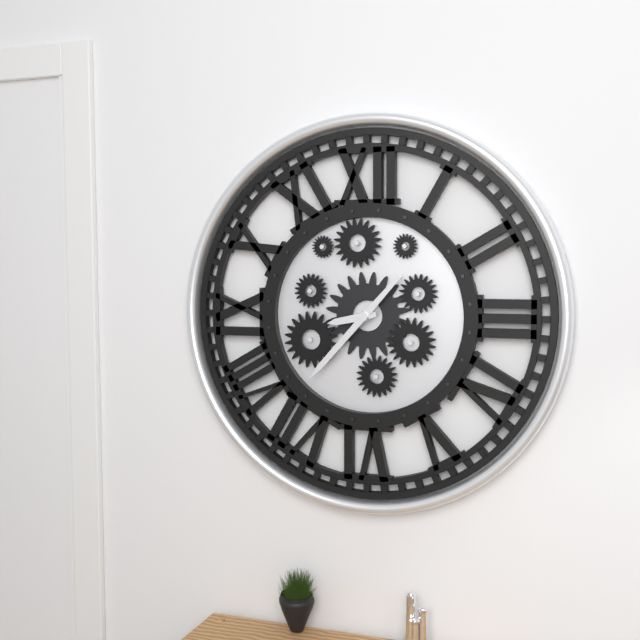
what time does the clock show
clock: 8:37
